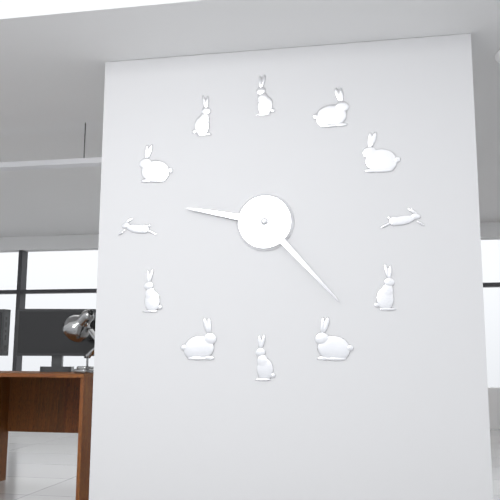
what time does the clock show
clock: 9:23
